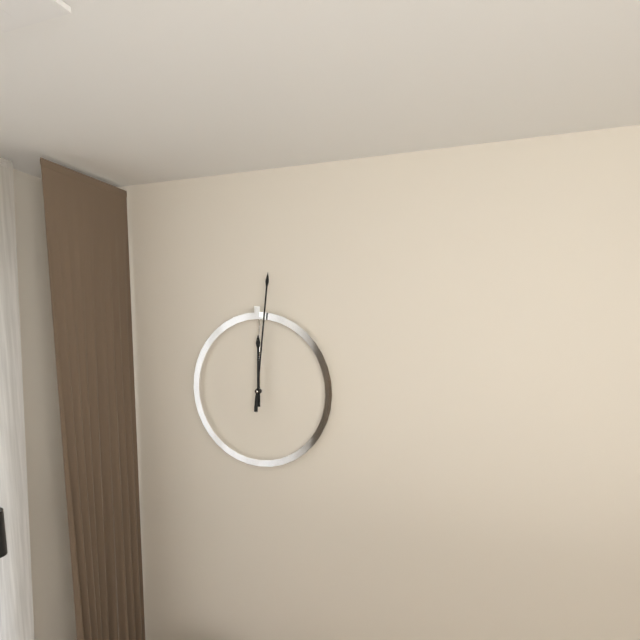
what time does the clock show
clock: 12:01
